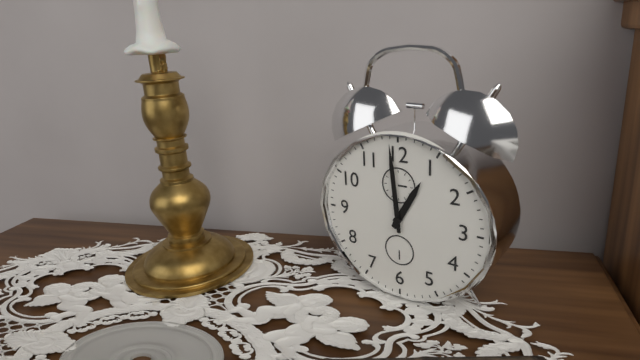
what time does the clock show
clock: 12:59
